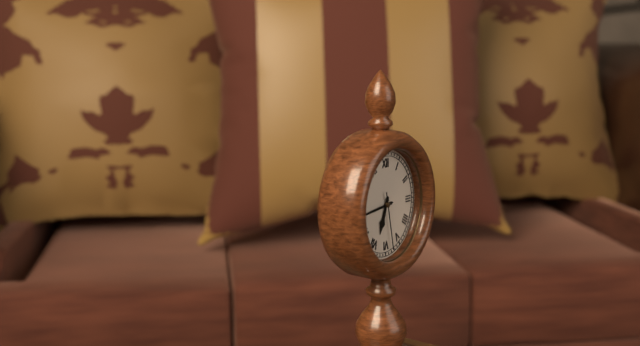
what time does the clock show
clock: 6:44:28
